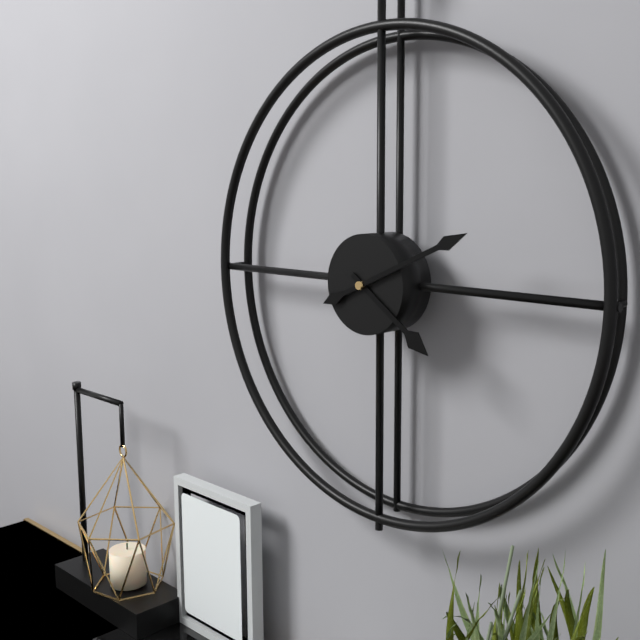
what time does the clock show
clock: 4:11
